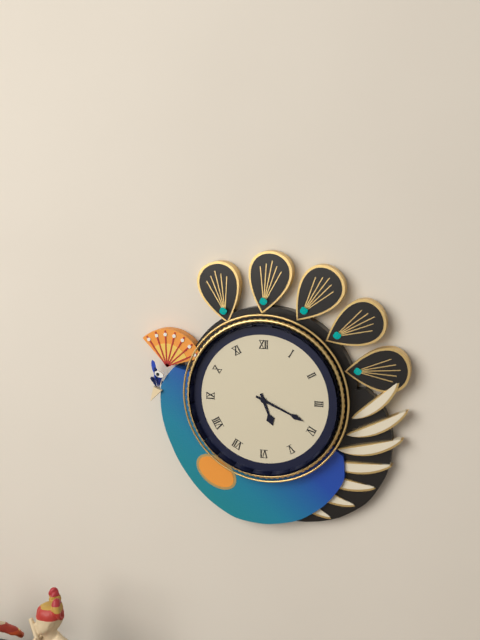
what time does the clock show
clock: 5:19
